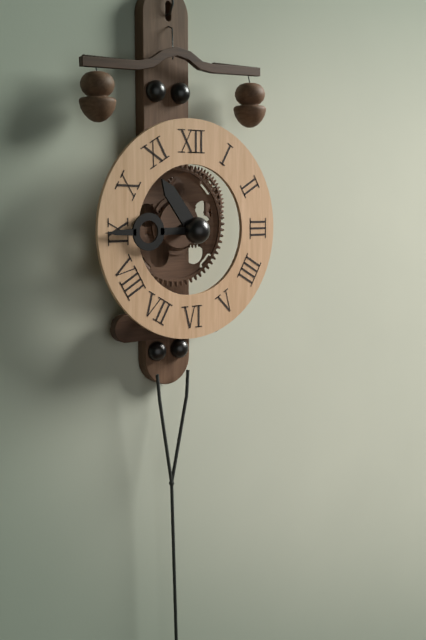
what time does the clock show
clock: 10:45
